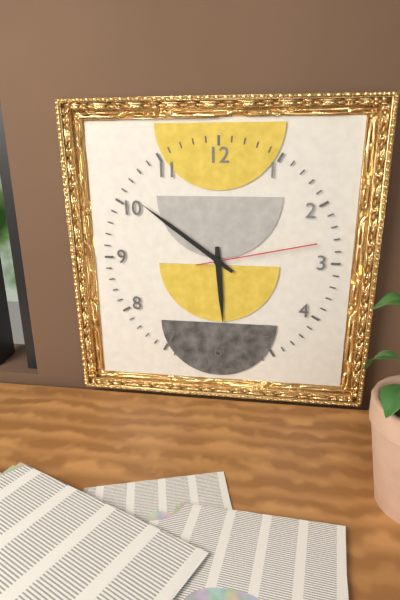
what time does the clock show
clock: 5:51:13
